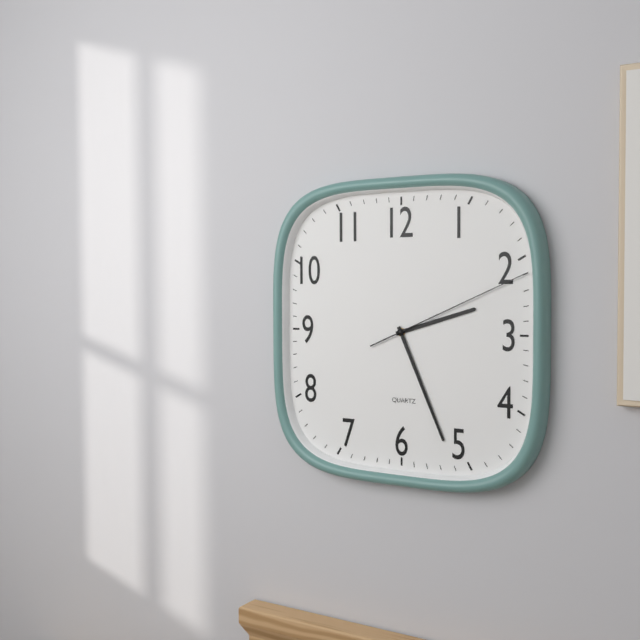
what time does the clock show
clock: 2:26:11
